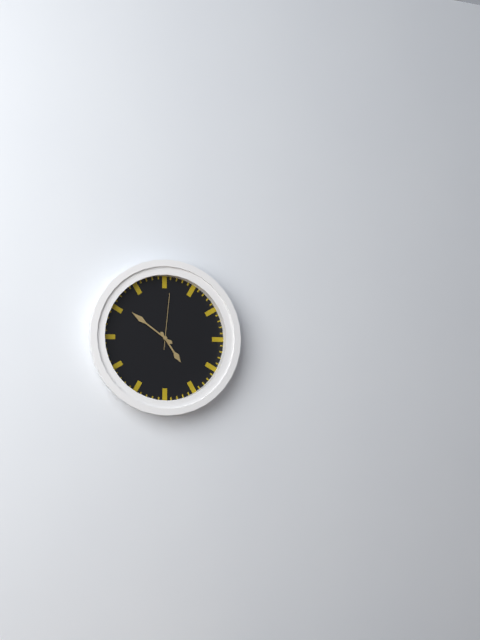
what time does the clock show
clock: 4:51:01
